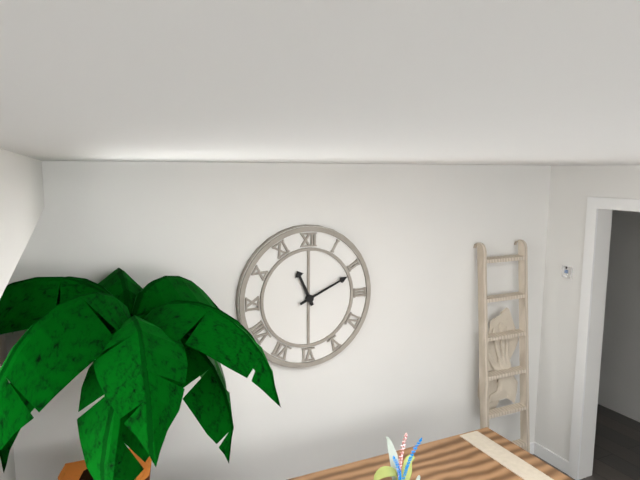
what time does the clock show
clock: 11:11
